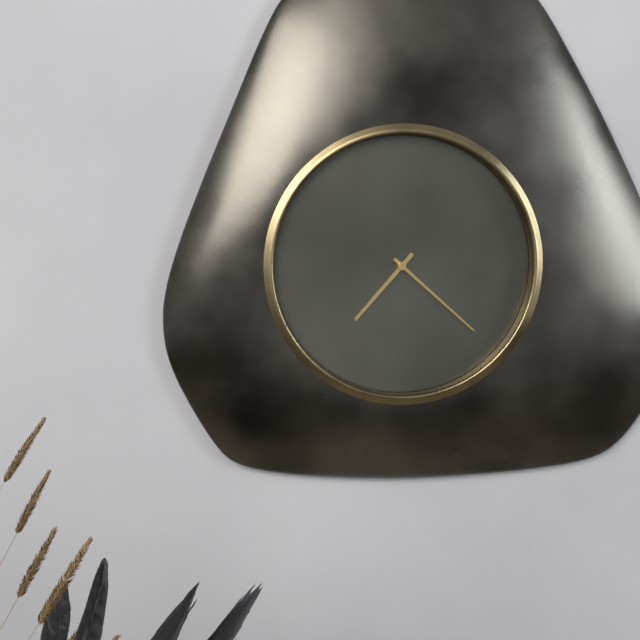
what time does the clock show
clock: 7:22
